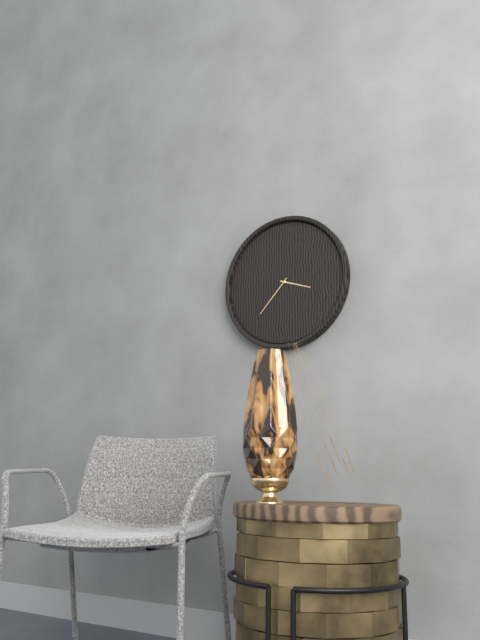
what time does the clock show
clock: 3:37
